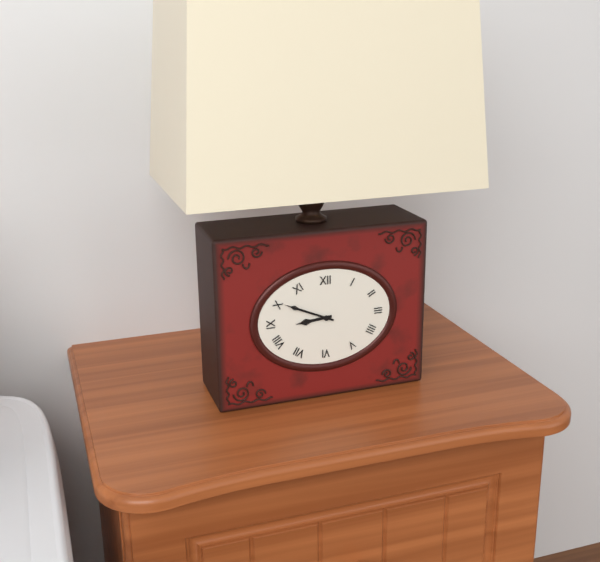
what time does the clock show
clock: 8:49
